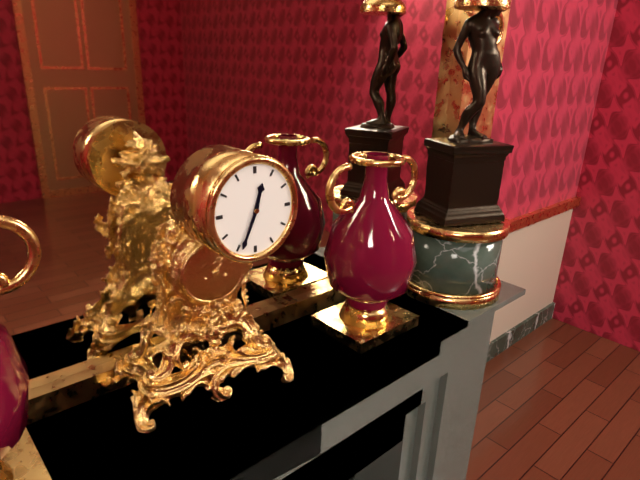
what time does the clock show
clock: 12:34
